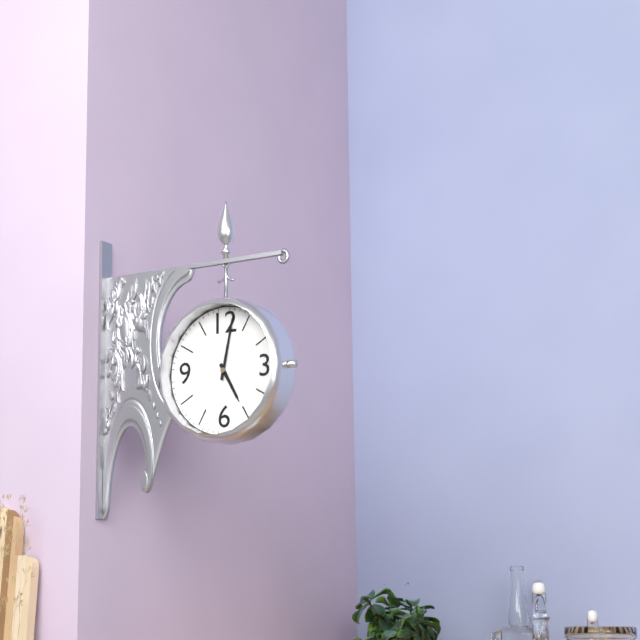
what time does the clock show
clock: 5:02
